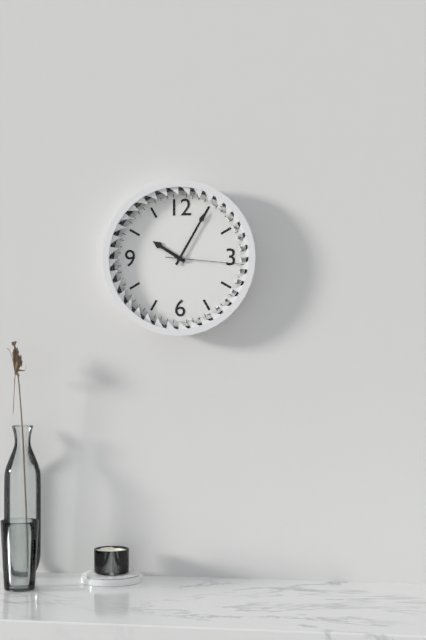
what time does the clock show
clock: 10:05:16
